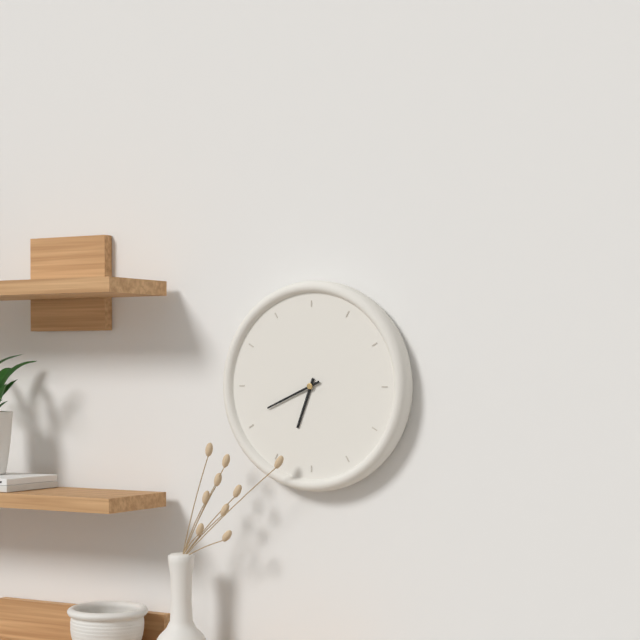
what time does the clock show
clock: 6:41
